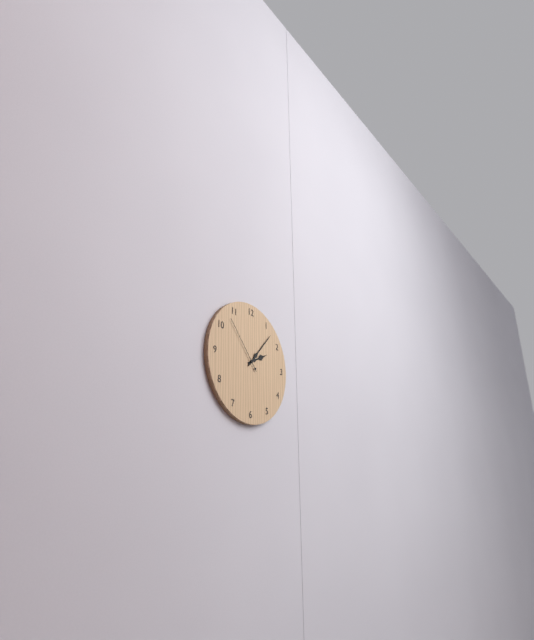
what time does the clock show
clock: 2:07:53
